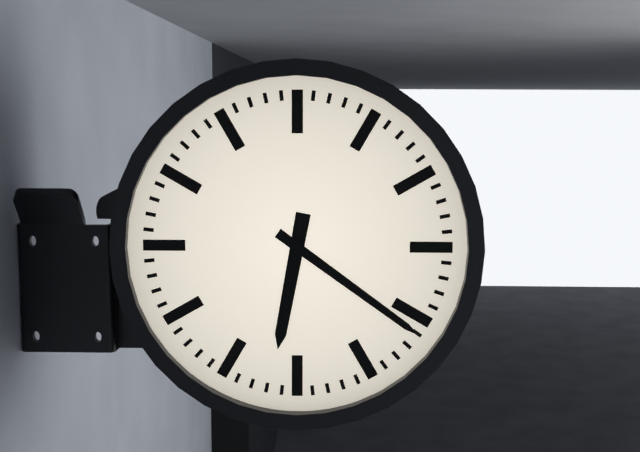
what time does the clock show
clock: 6:21
